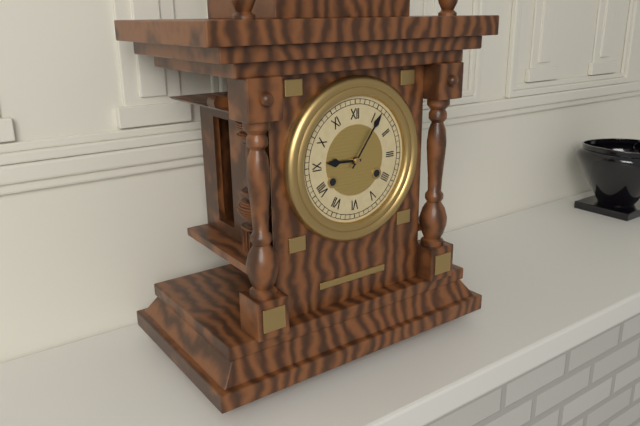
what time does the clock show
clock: 9:06
